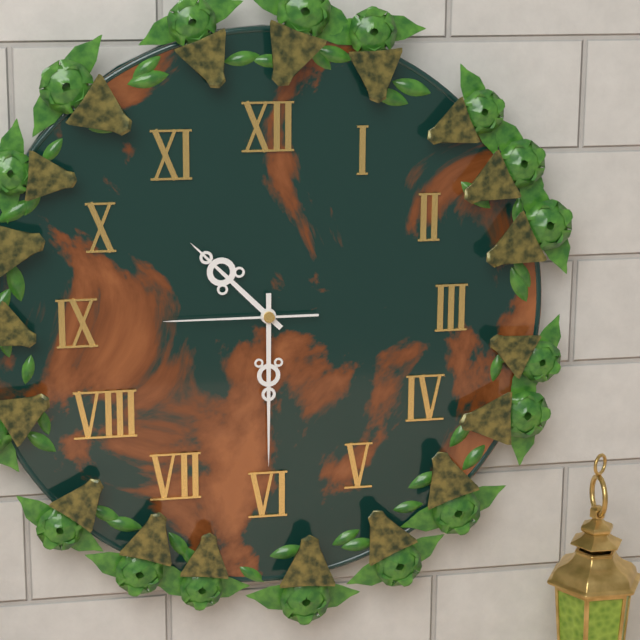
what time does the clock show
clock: 10:30:45
